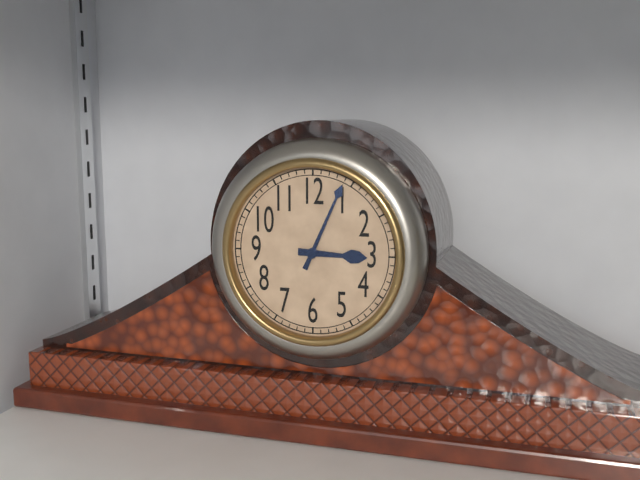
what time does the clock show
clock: 3:04
